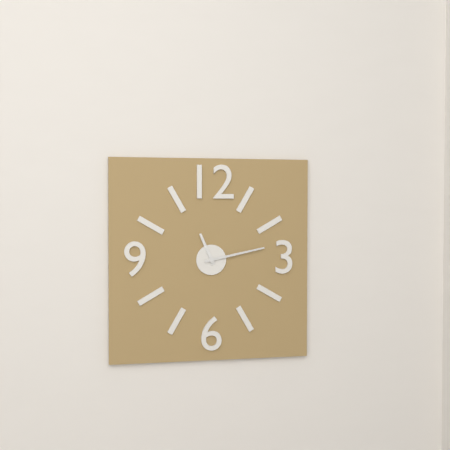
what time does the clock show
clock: 11:13
